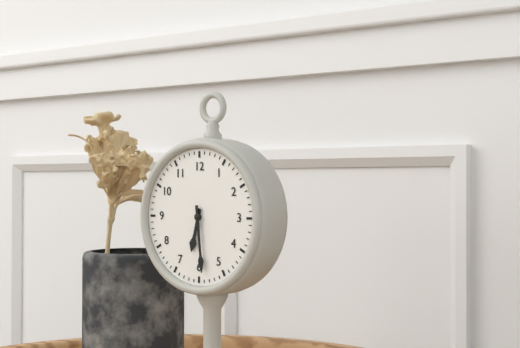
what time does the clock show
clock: 6:29
